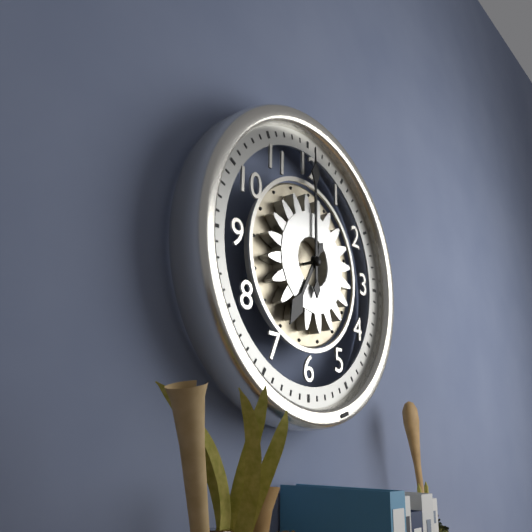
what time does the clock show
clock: 7:00
